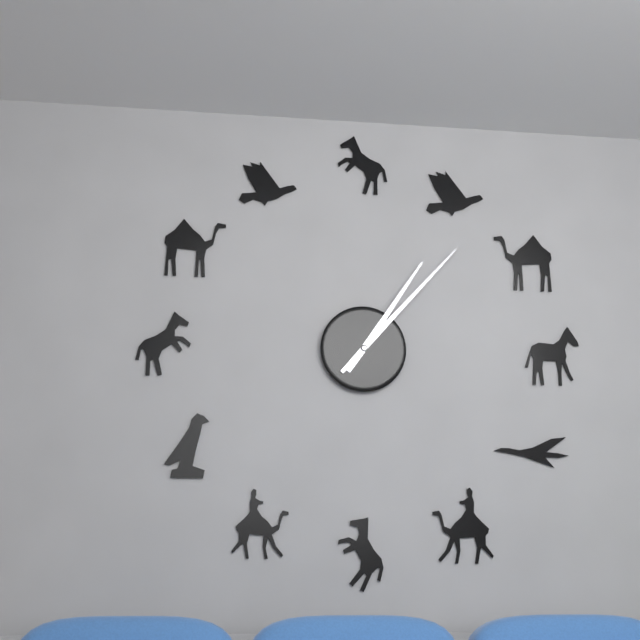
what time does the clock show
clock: 1:07
